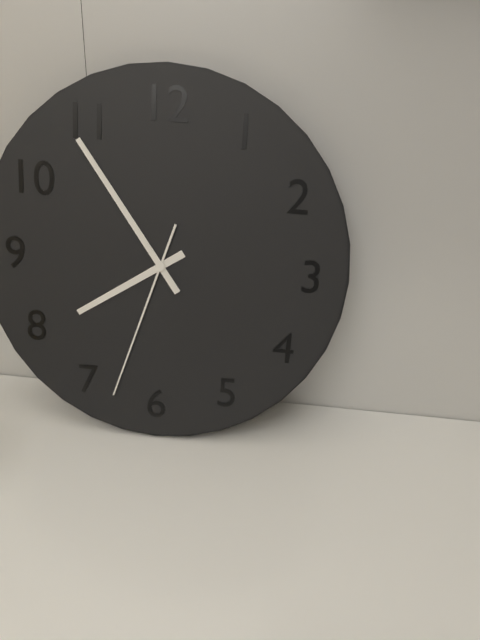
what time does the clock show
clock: 7:54:33
